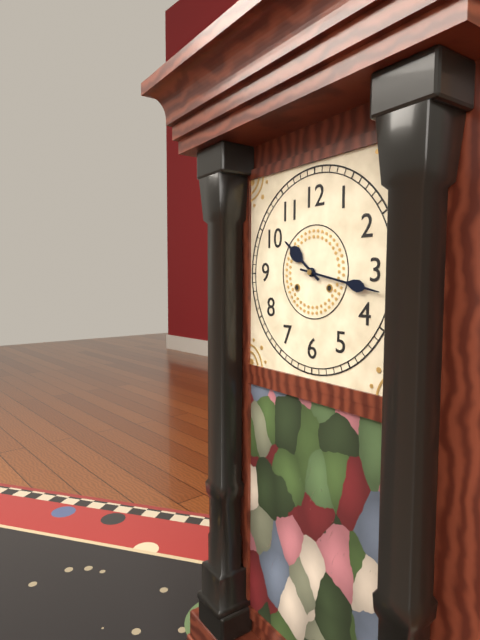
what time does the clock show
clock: 10:17
